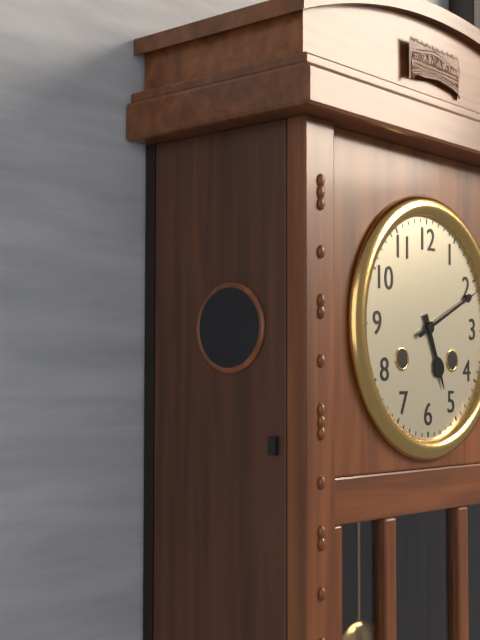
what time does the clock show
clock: 5:11
